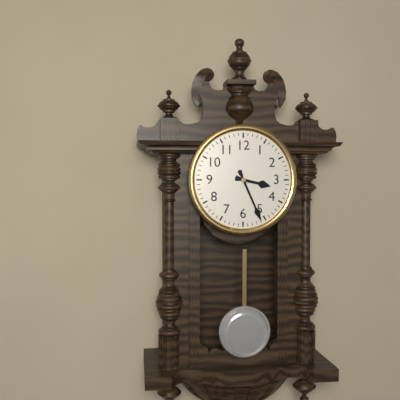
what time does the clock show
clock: 3:26
